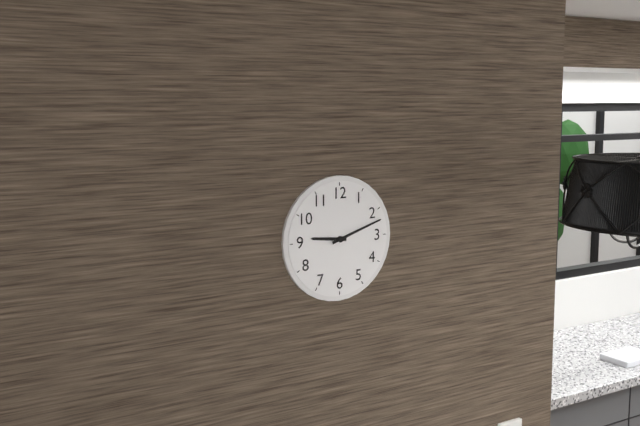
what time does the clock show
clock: 9:12
